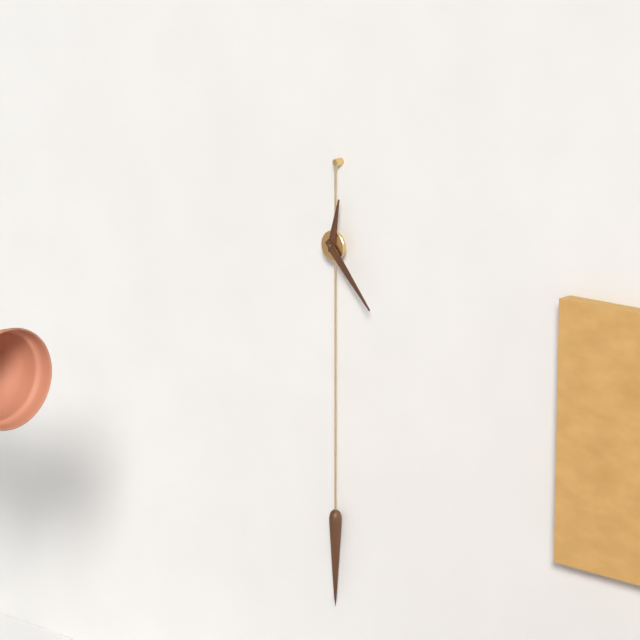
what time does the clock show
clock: 12:23
